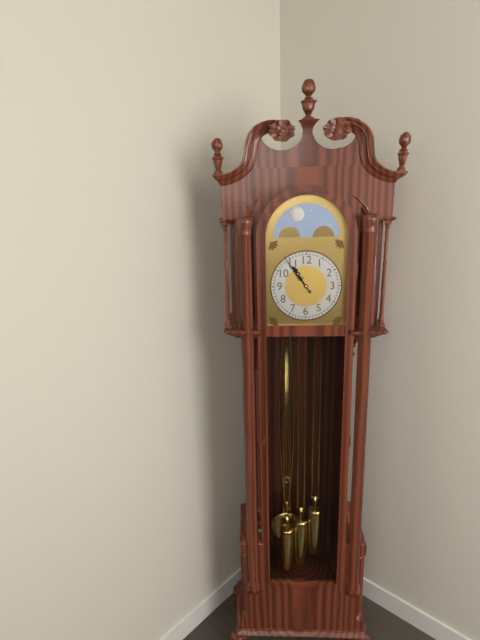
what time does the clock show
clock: 10:54
